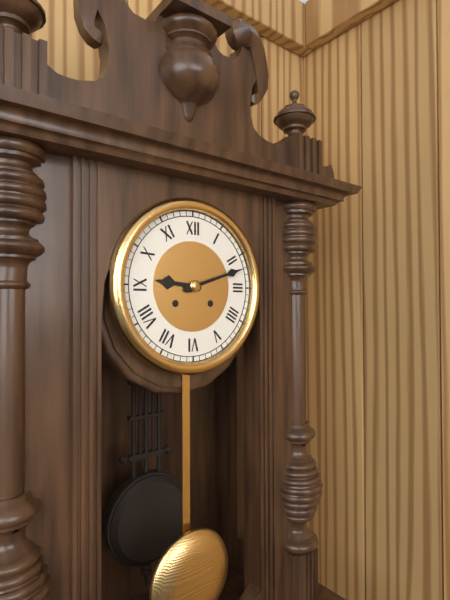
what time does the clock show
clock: 9:12
